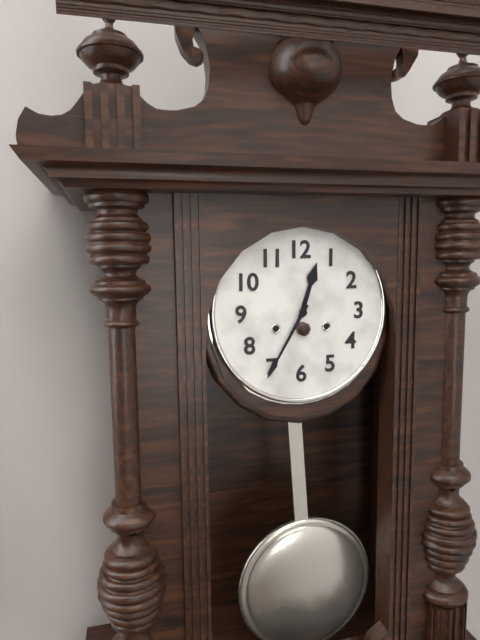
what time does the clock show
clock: 12:35
